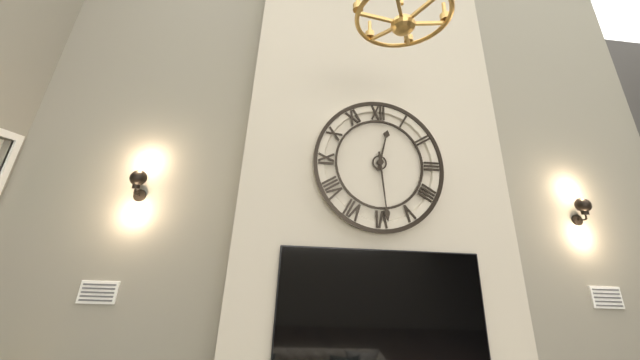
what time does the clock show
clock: 12:29
